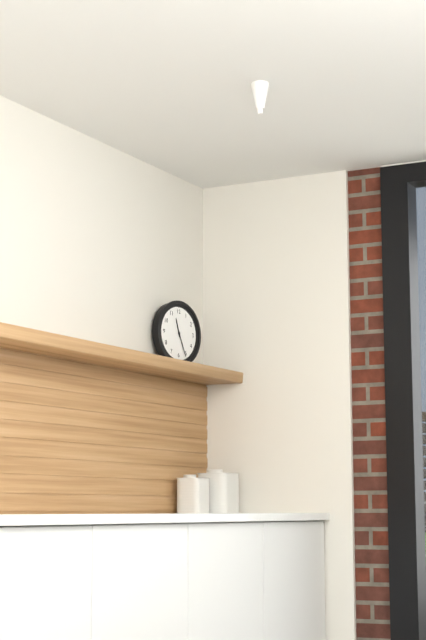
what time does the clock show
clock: 11:26
